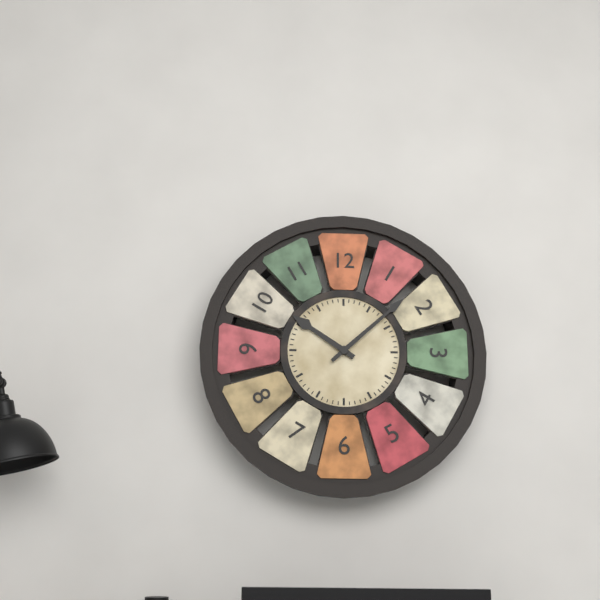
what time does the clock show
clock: 10:08
